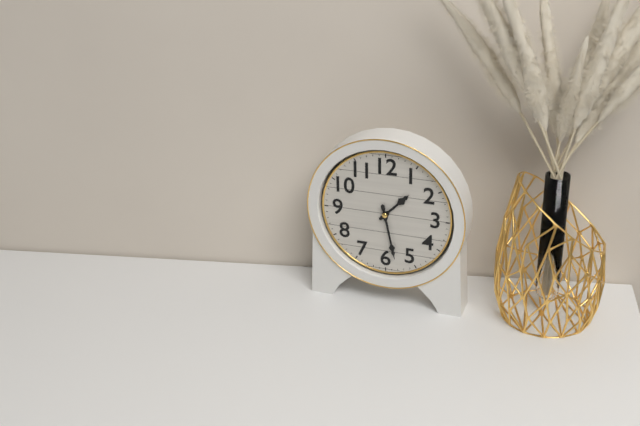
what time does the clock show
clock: 1:28
